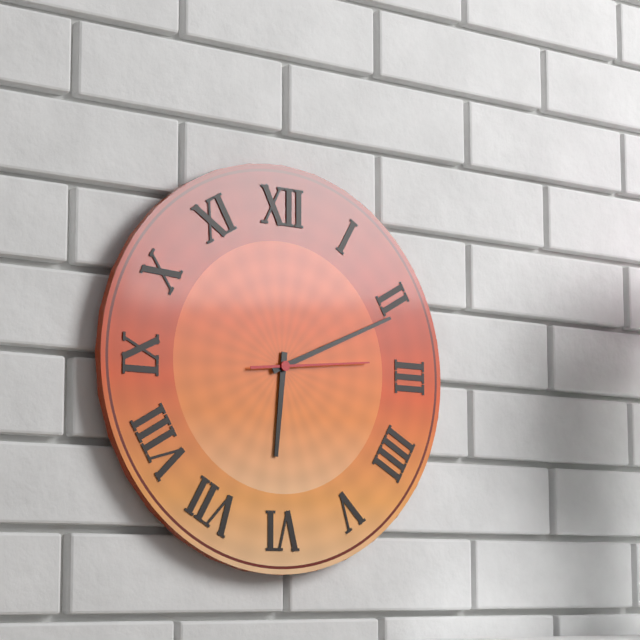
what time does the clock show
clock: 6:11:14
